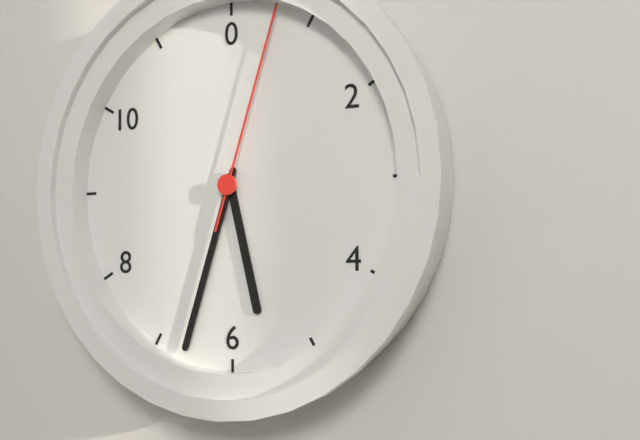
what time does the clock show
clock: 5:33:03
